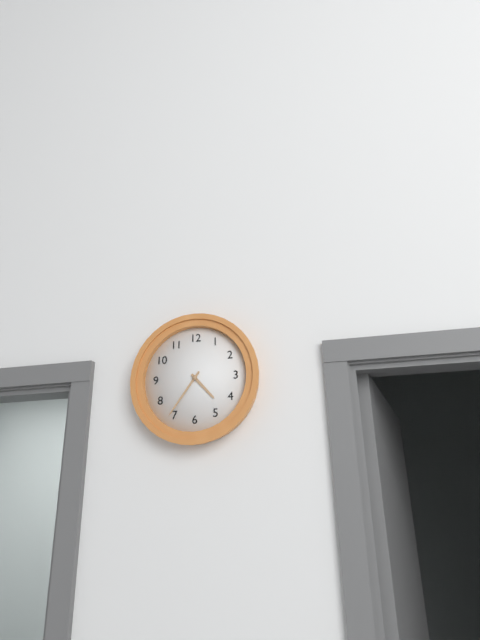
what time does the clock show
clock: 4:36
